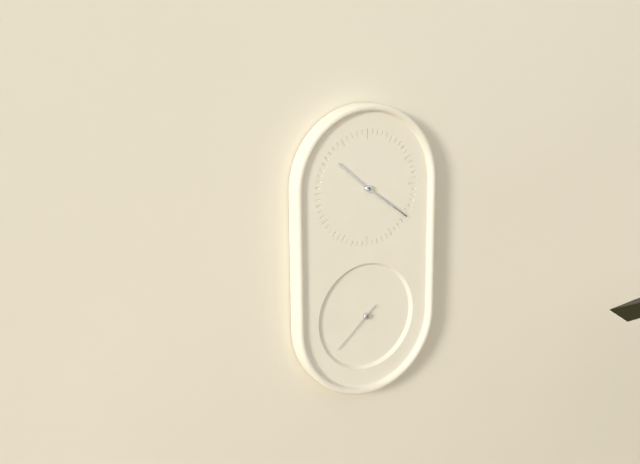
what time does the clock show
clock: 10:21:38
